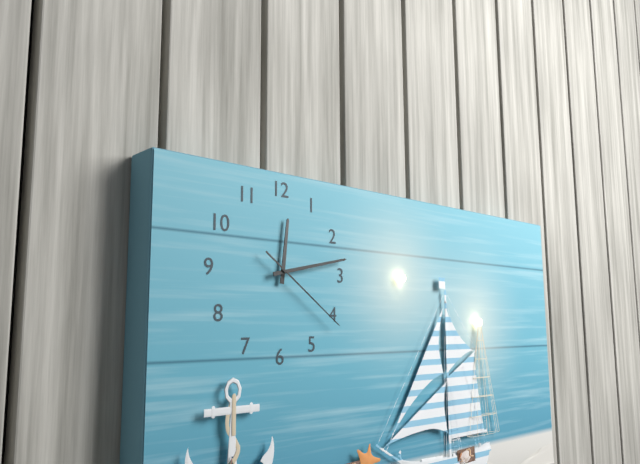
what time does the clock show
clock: 12:13:21
